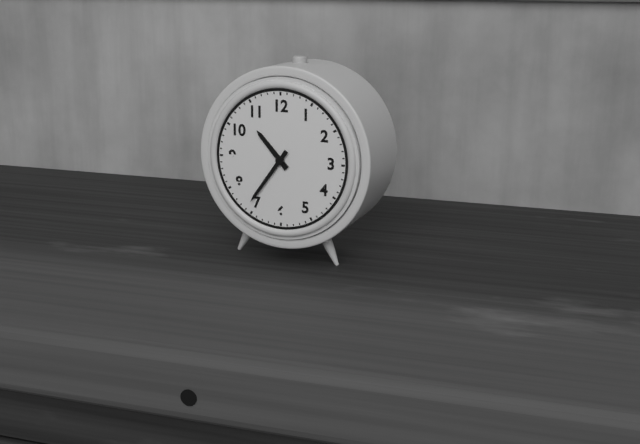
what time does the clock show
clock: 10:36
